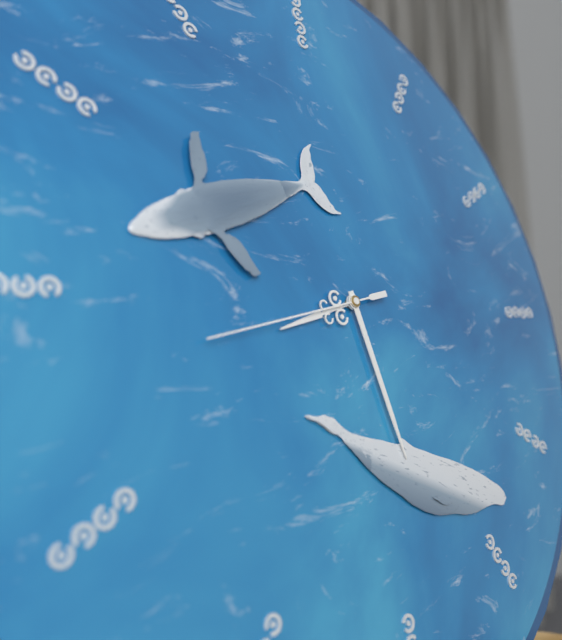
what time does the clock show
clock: 8:28:43
